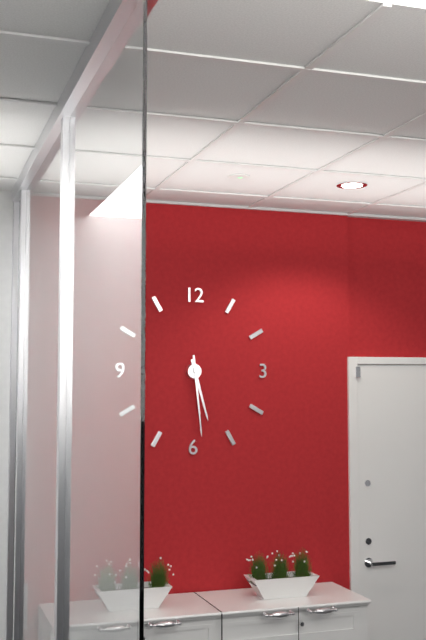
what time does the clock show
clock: 5:29
